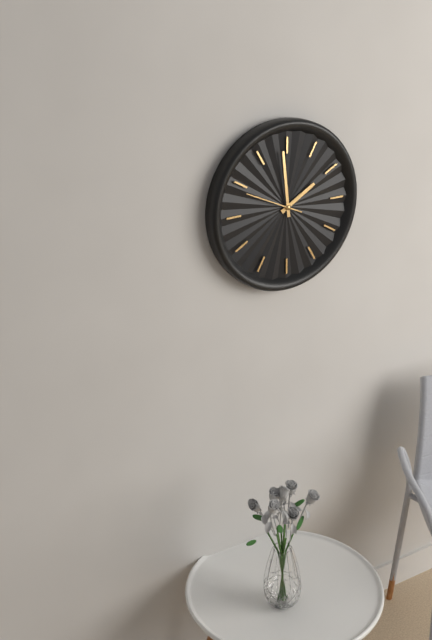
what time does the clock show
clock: 1:59:49
